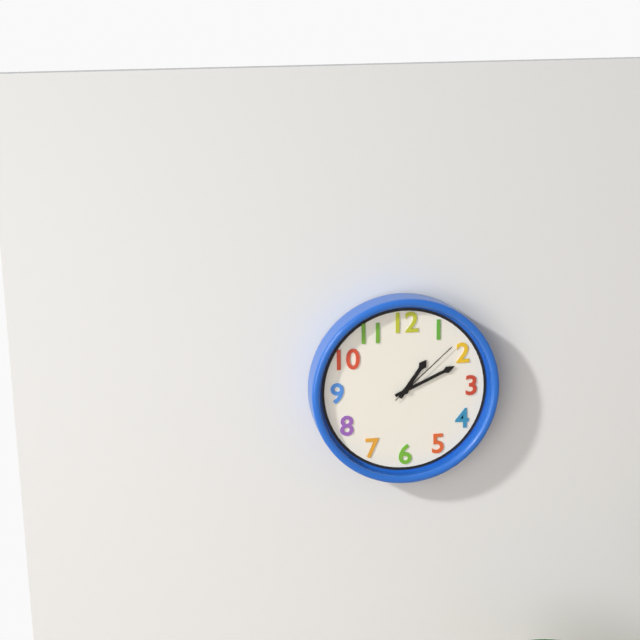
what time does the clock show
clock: 1:11:08
